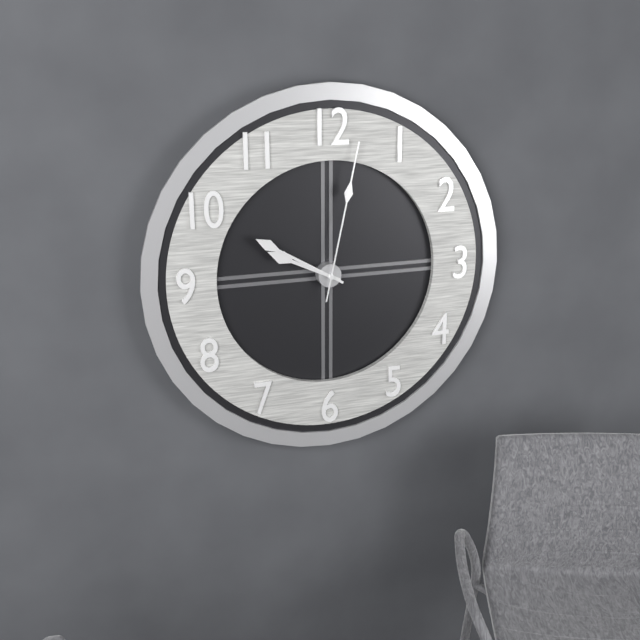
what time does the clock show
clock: 9:50:02
